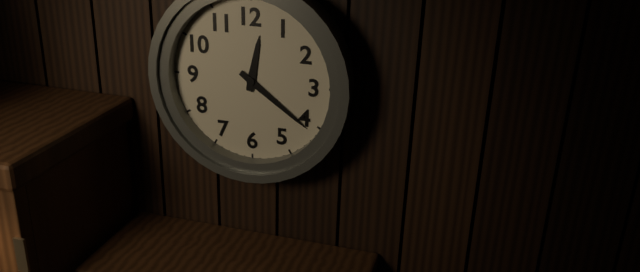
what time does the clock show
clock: 12:21
